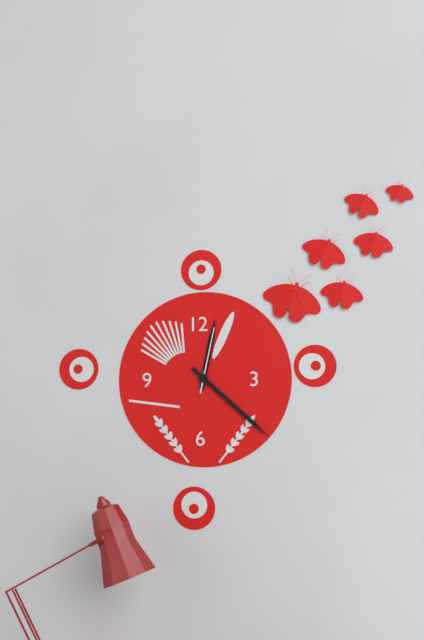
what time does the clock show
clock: 12:22:02
